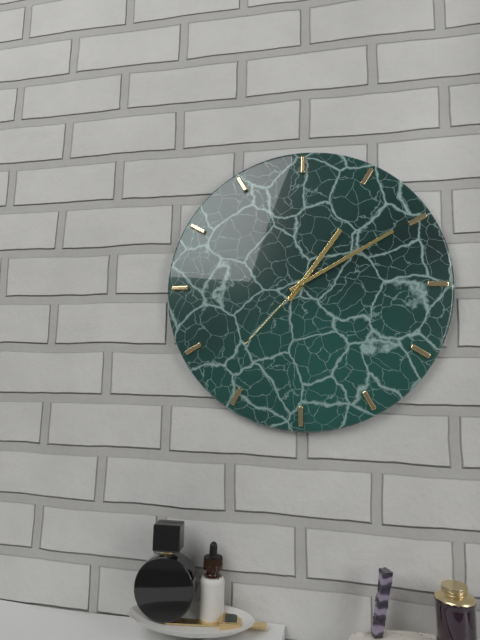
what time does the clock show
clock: 1:10:37
